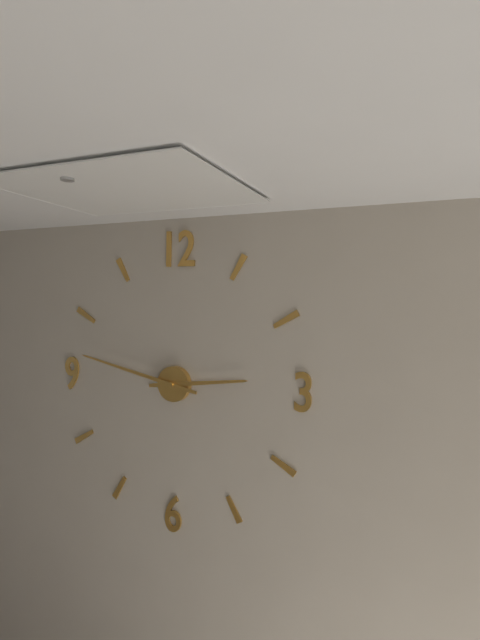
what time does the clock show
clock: 2:47
